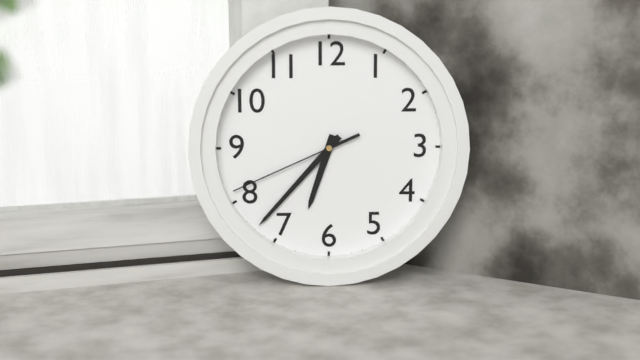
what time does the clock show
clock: 6:37:41
